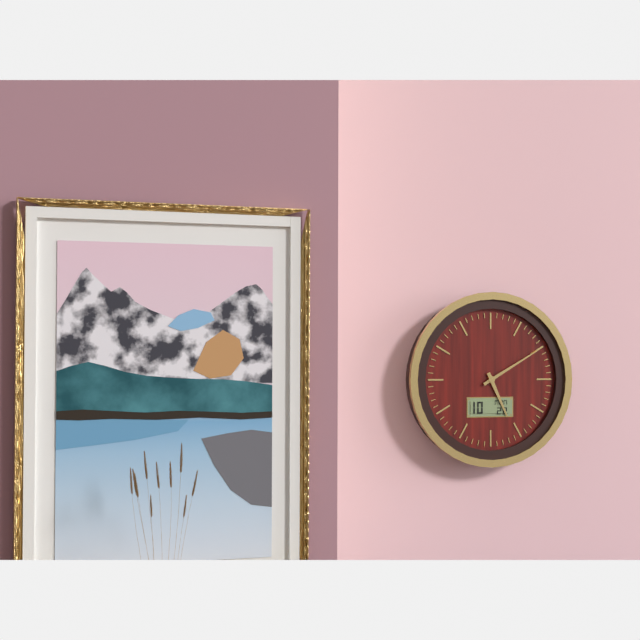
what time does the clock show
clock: 5:10
